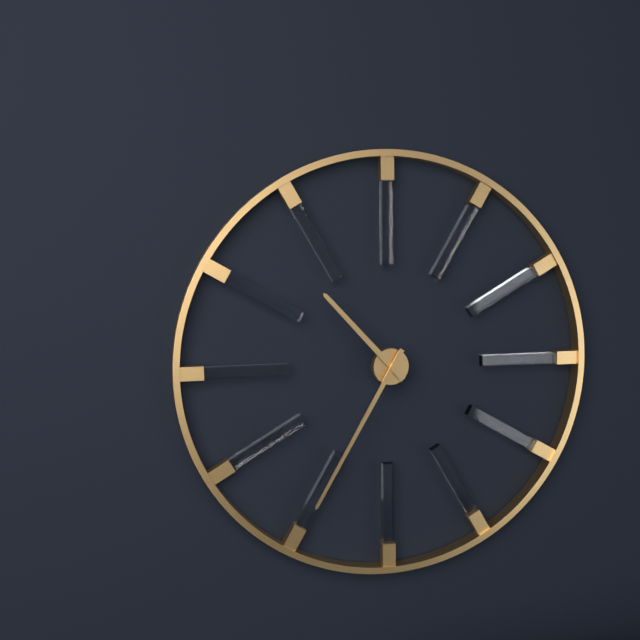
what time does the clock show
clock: 10:35
